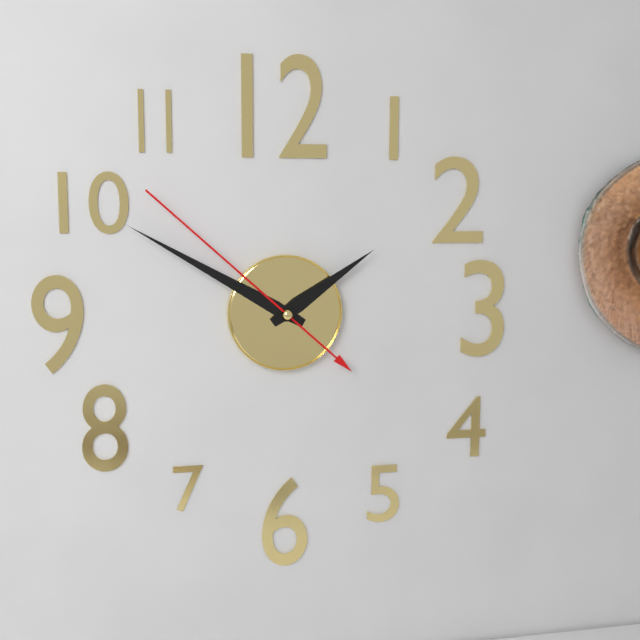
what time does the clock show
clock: 1:50:52
